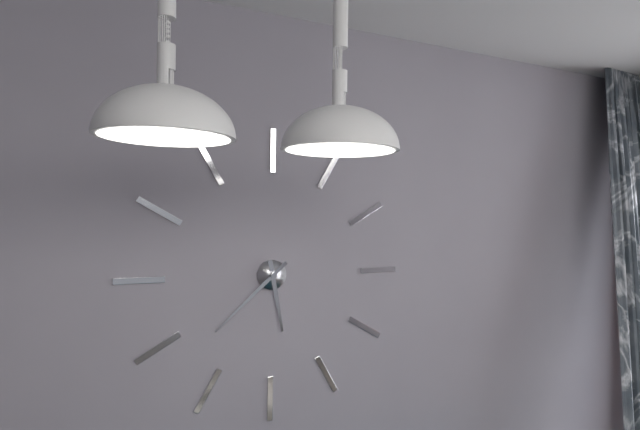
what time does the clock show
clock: 5:38
